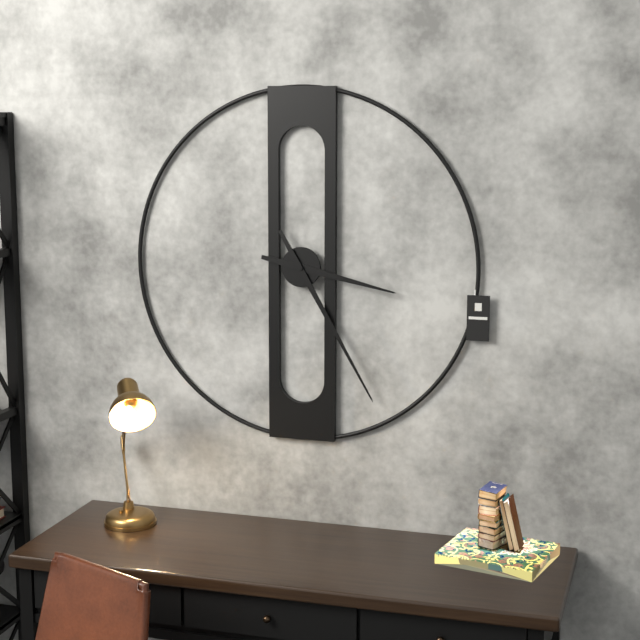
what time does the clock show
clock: 3:25
